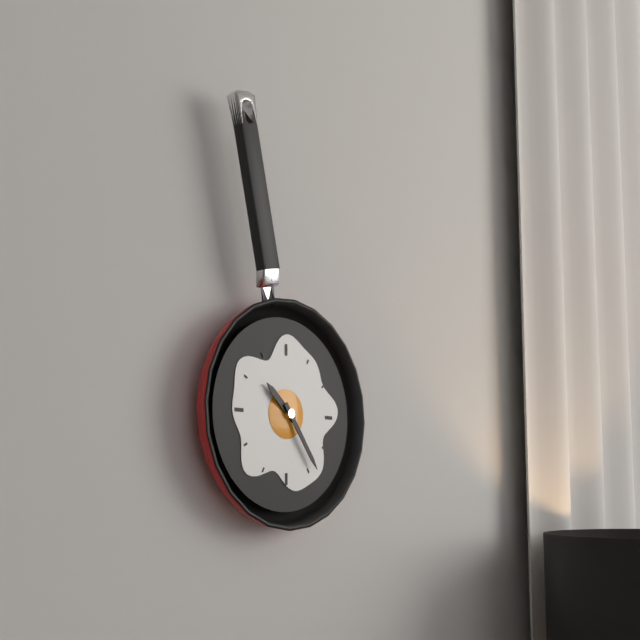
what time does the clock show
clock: 10:24
